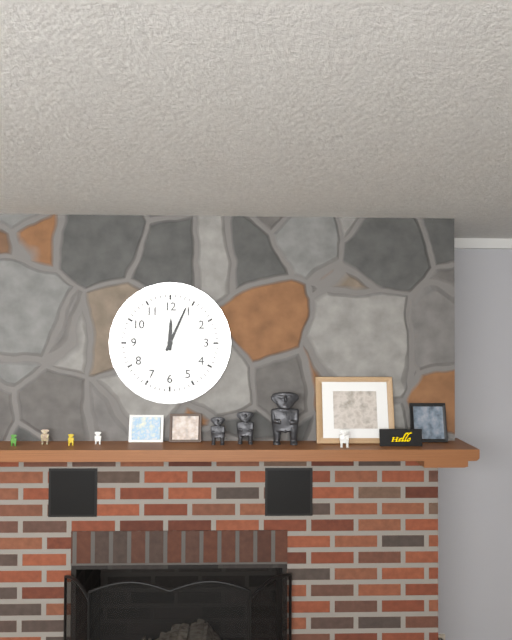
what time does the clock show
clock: 12:04
